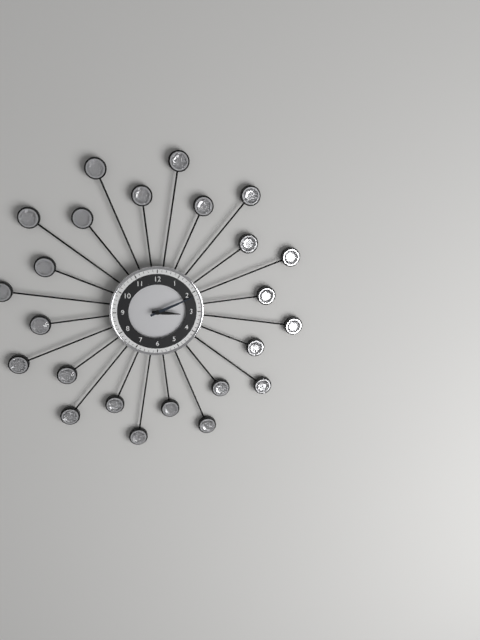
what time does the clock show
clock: 3:11
